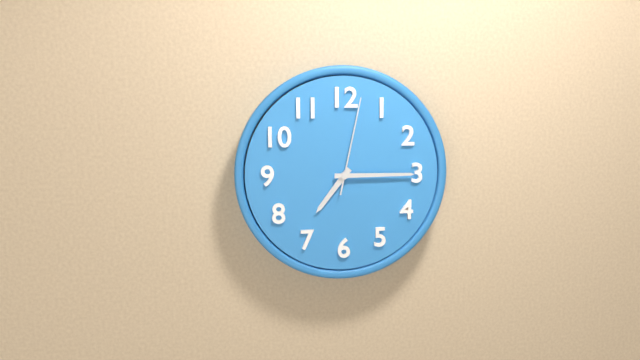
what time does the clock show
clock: 7:15:02
